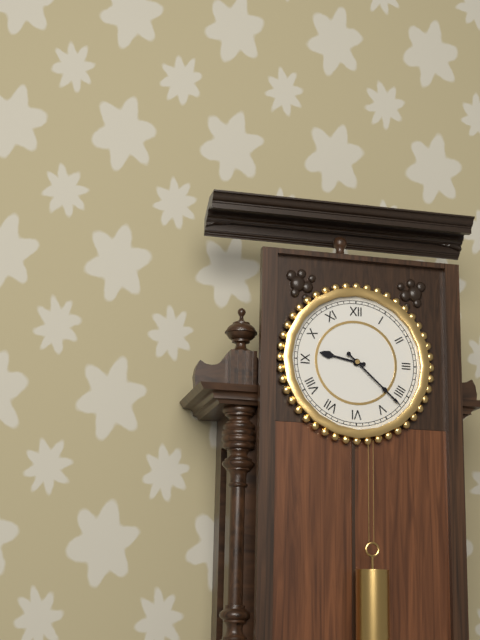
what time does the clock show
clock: 9:22
